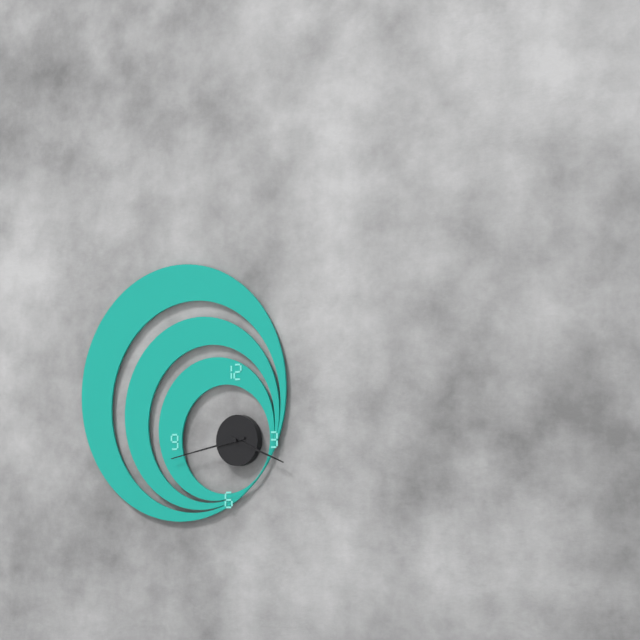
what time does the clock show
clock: 3:43
